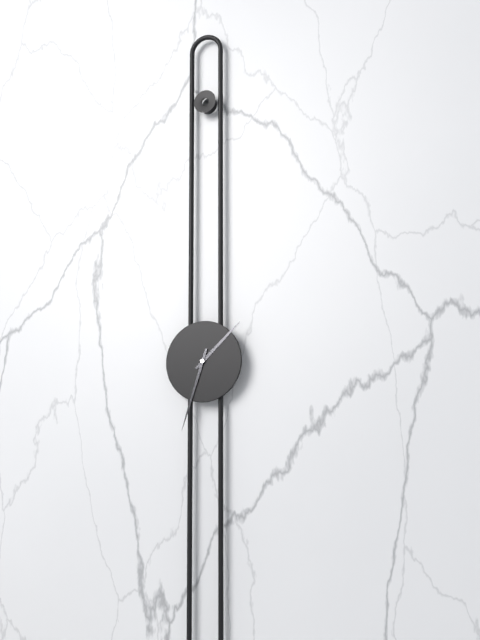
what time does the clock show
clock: 1:33
